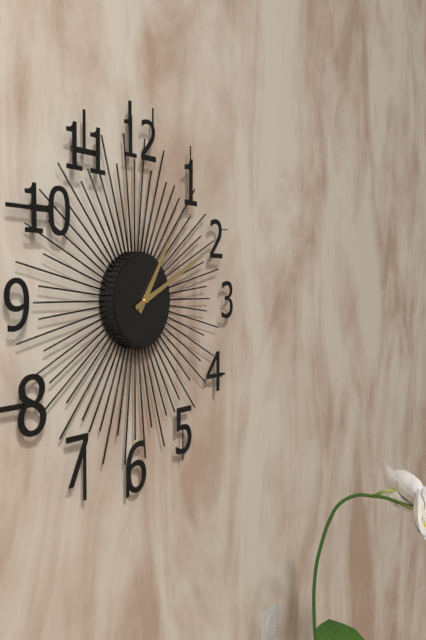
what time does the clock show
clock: 1:11
